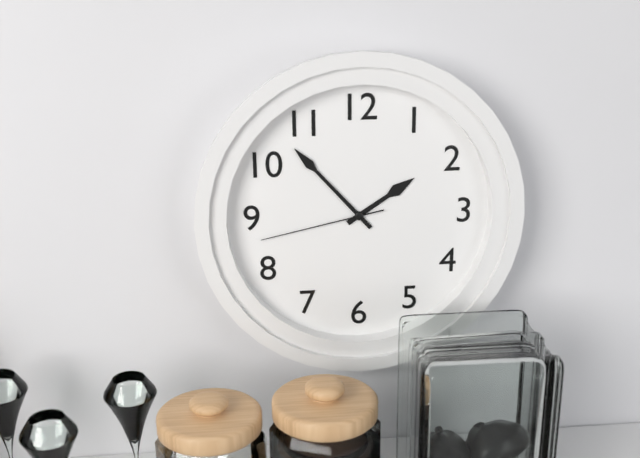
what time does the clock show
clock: 1:53:43
